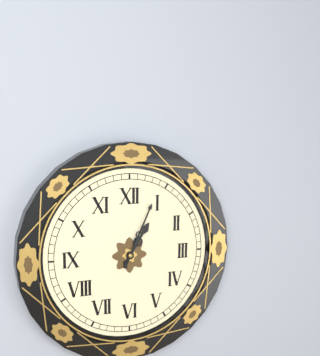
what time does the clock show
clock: 1:04
